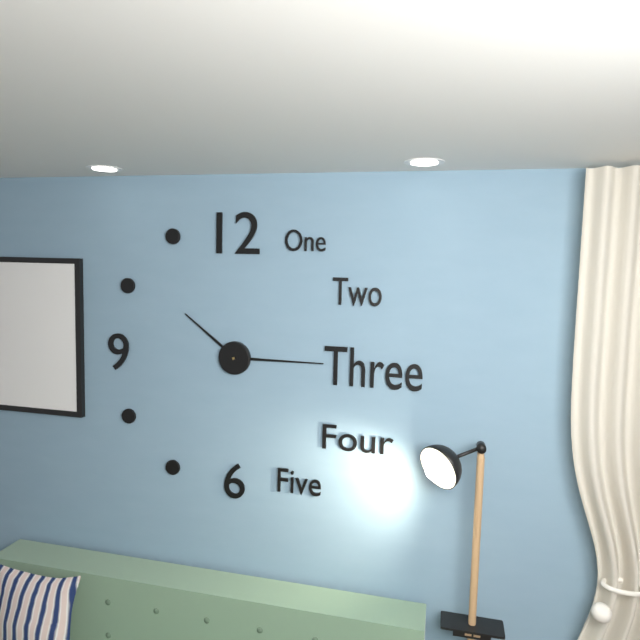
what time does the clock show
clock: 10:15
